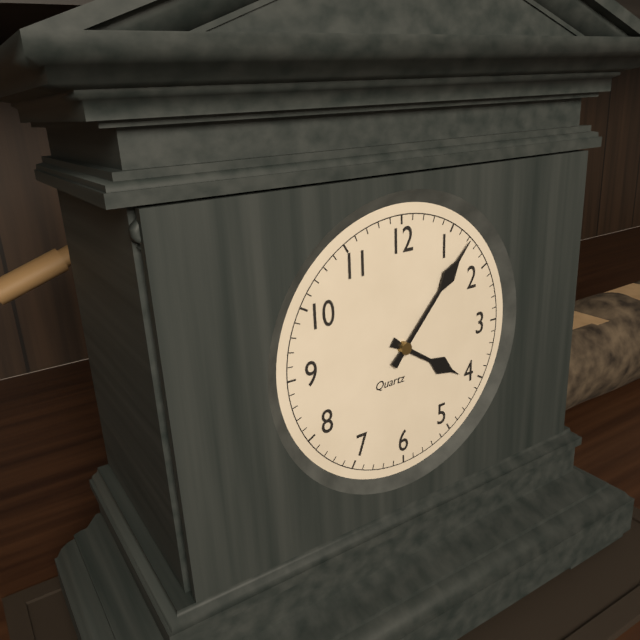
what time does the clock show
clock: 4:07
